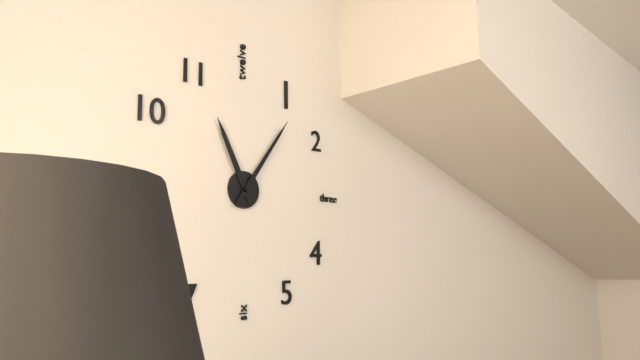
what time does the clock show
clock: 11:06
